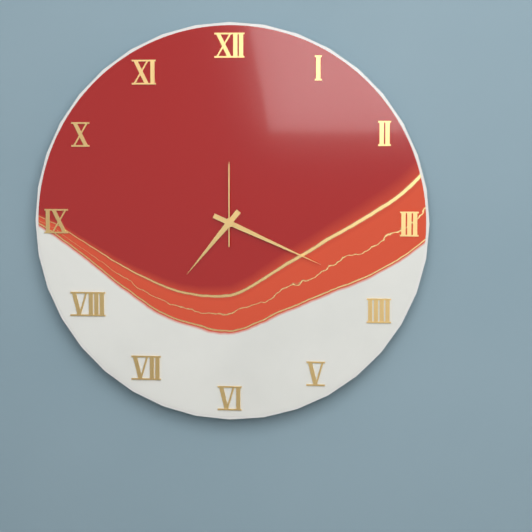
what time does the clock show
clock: 7:19:00
